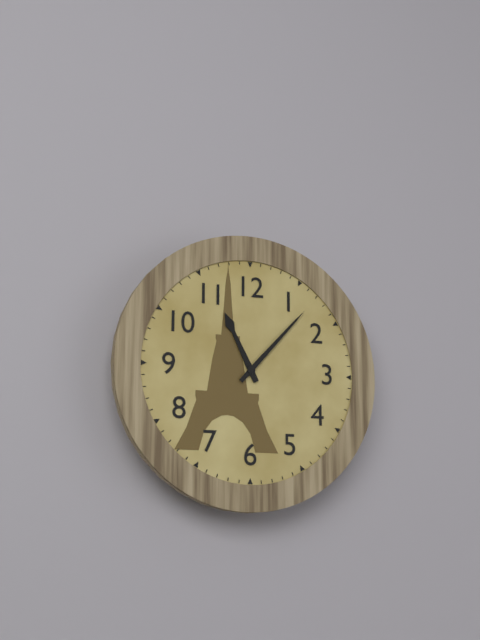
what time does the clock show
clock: 11:07
